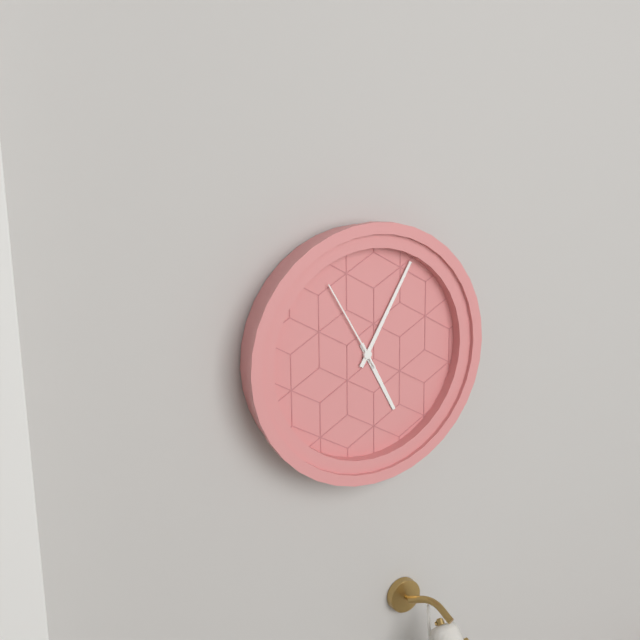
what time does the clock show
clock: 5:05:55
